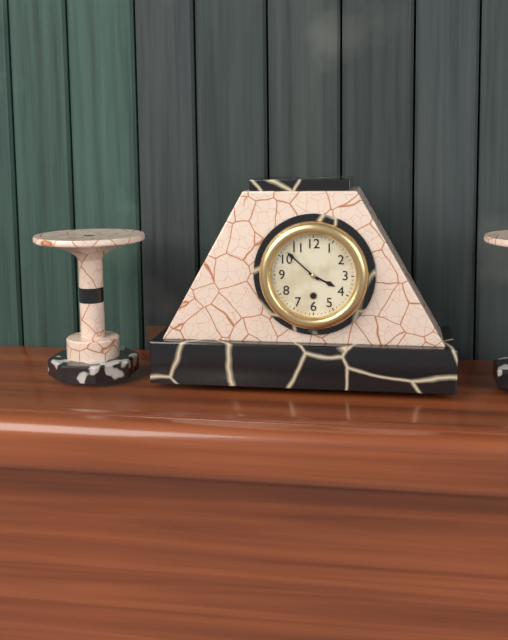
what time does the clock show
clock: 3:52
